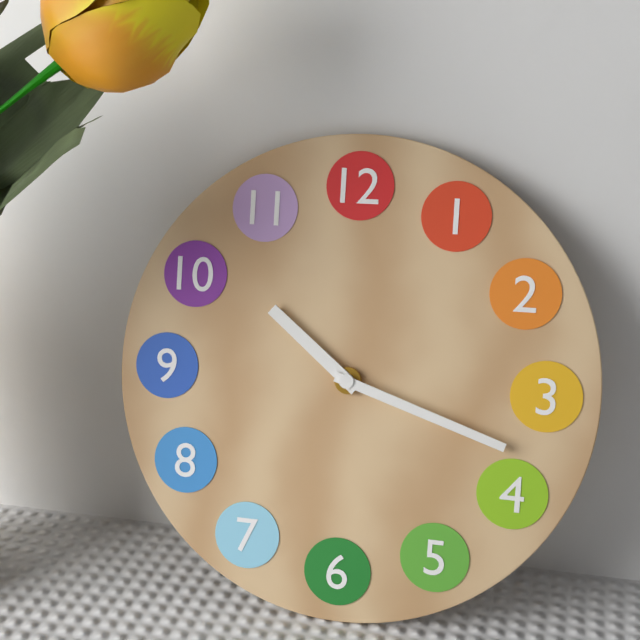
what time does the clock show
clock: 10:18
